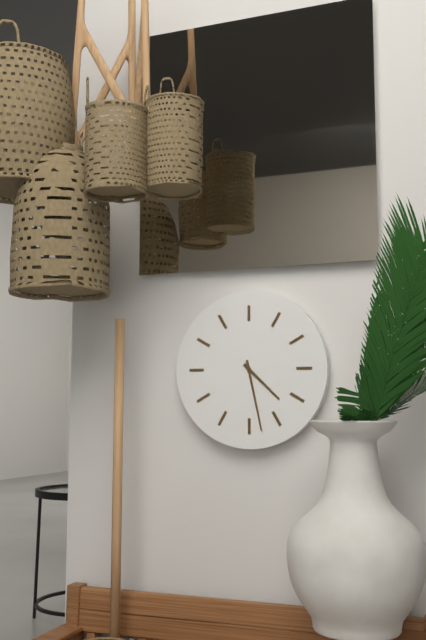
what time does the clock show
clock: 4:28
